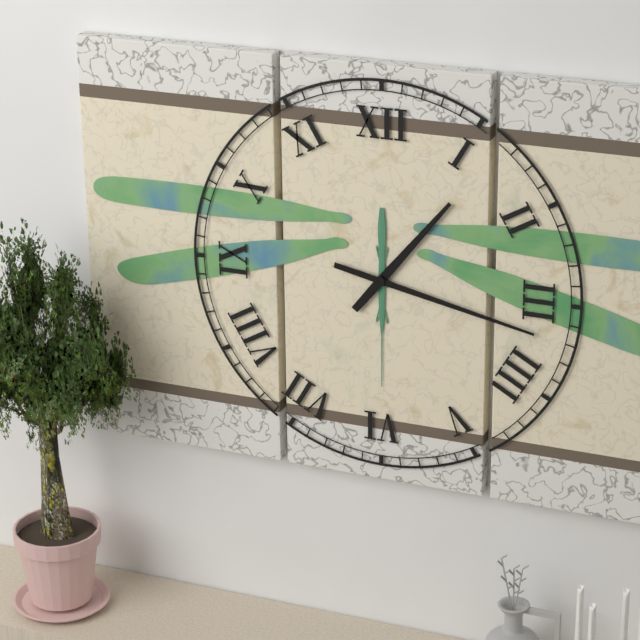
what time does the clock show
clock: 1:17
